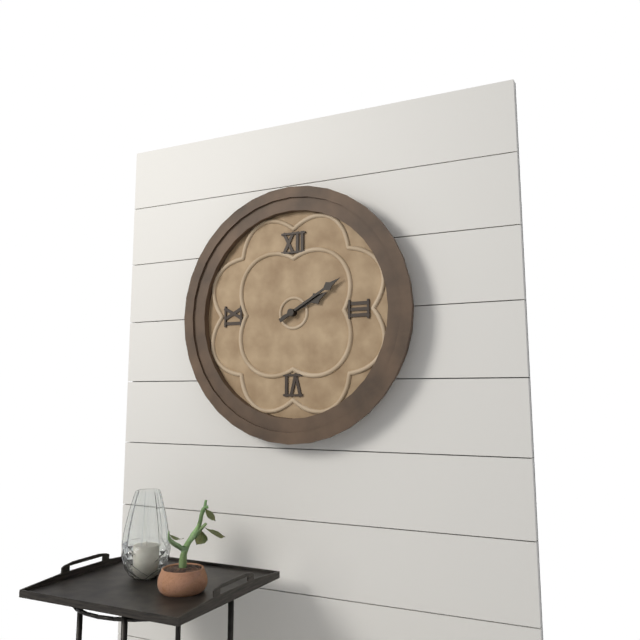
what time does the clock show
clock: 2:10
